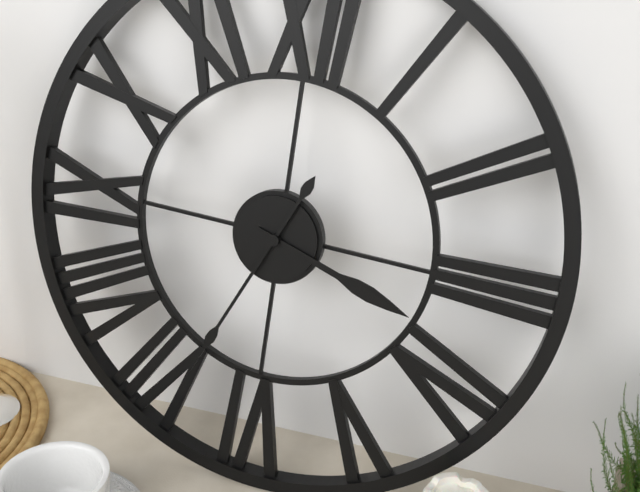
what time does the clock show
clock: 3:34
